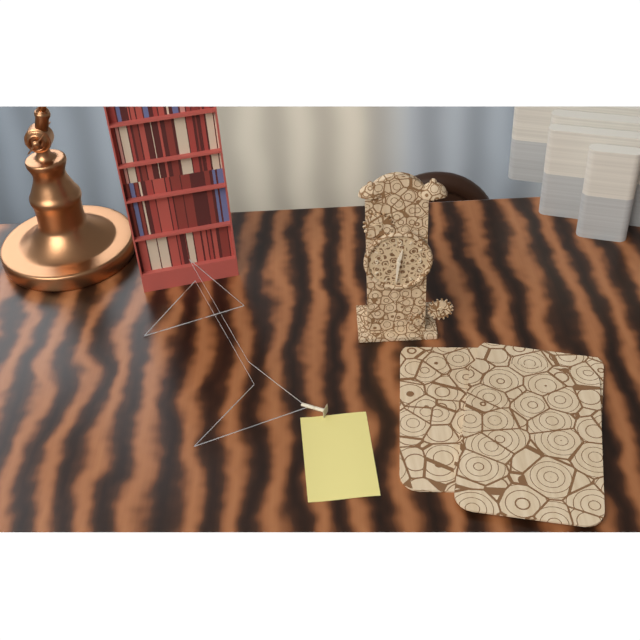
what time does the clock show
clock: 12:31
